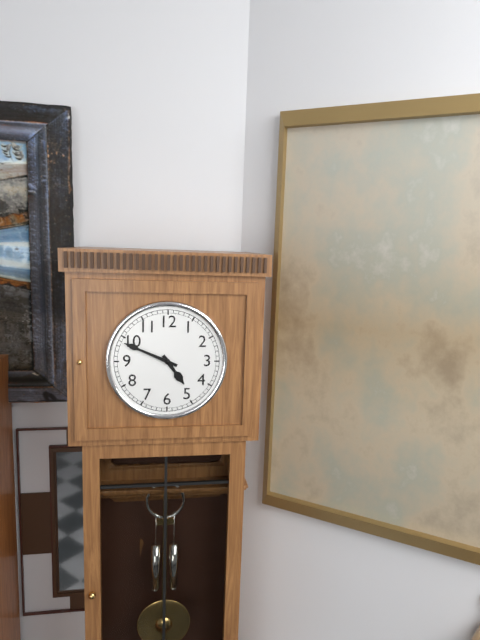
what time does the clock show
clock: 4:49
